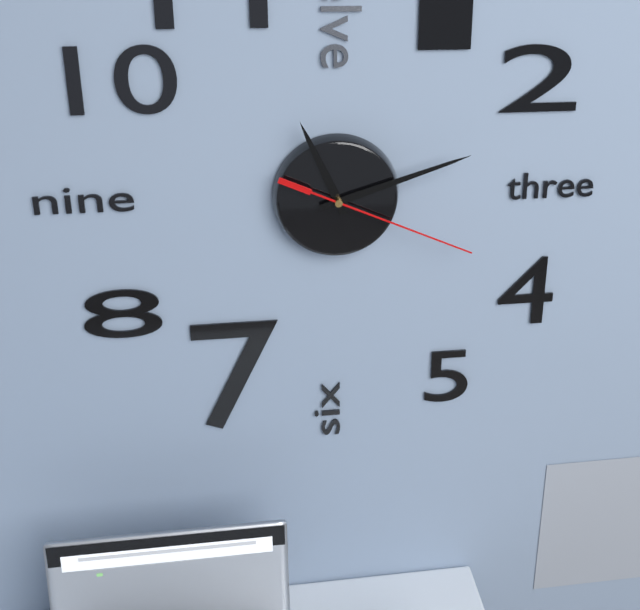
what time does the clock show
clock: 11:12:19
